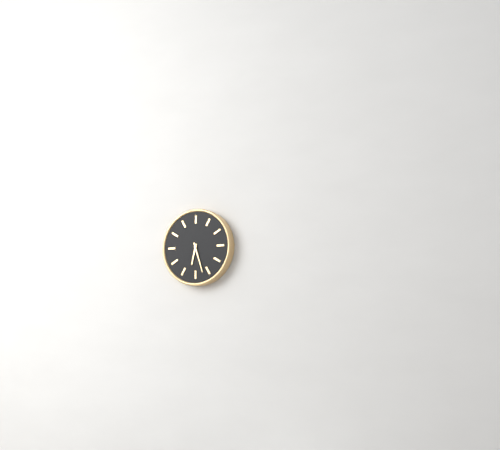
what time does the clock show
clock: 6:27
